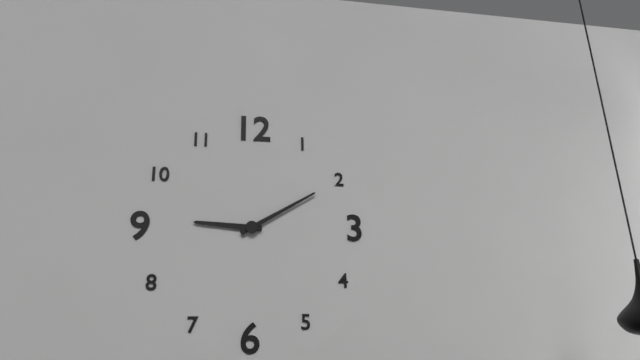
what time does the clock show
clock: 9:10
